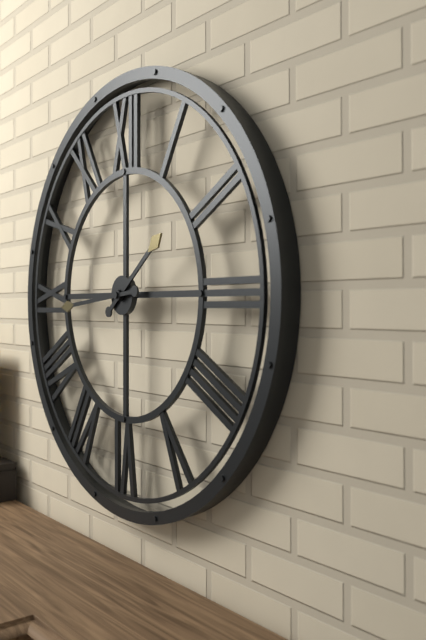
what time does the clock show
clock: 1:44
